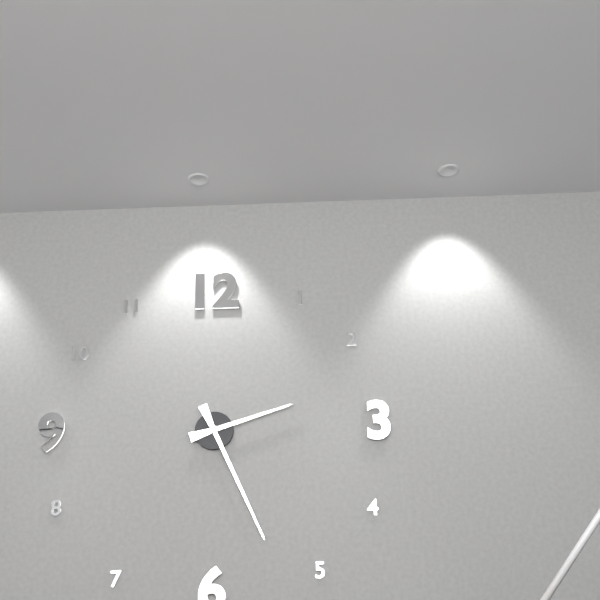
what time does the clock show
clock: 2:26
